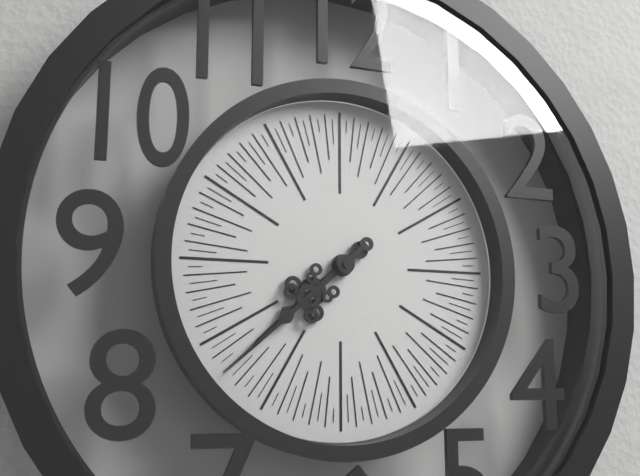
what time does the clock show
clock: 7:38
